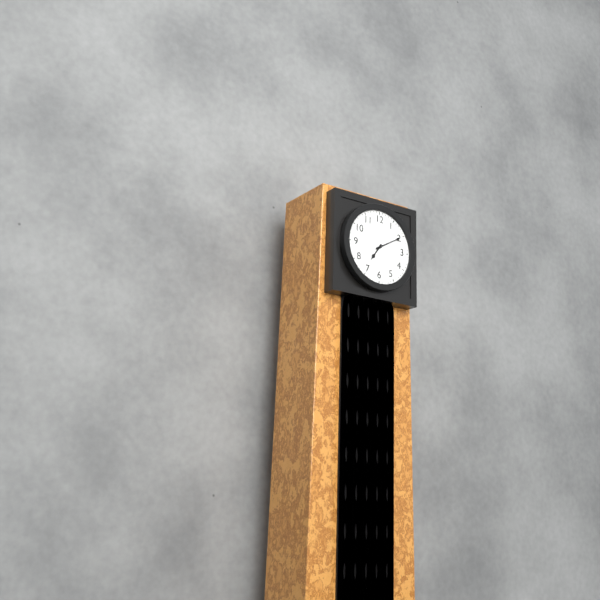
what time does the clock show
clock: 7:10
